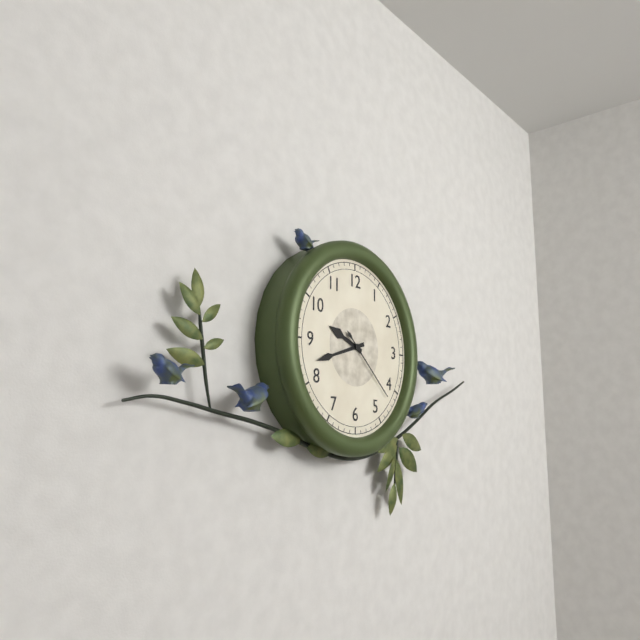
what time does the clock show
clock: 9:42:22
